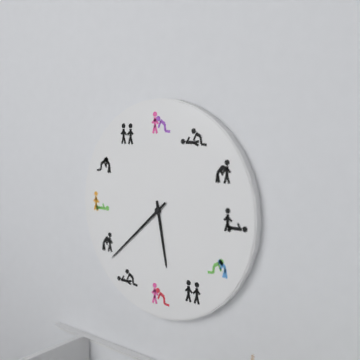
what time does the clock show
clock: 5:38
